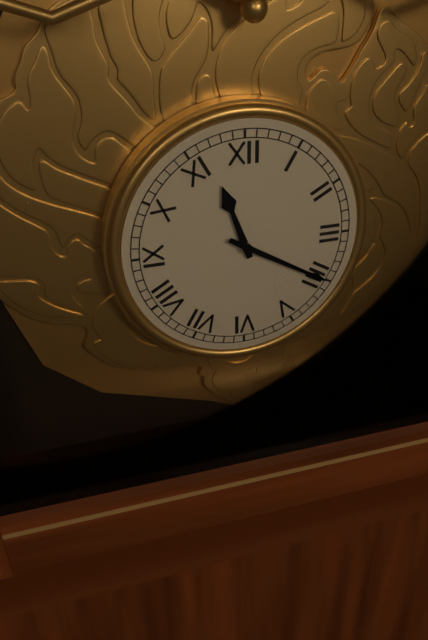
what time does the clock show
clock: 11:20
